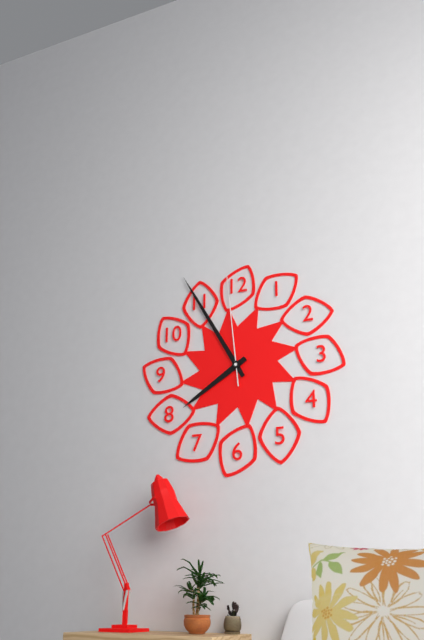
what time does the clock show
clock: 7:55:59
